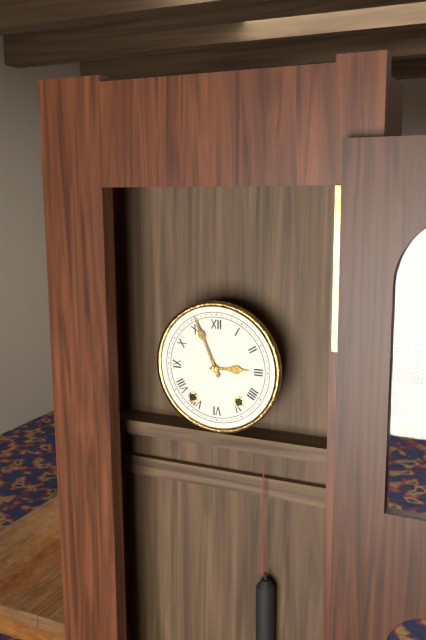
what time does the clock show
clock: 2:56
